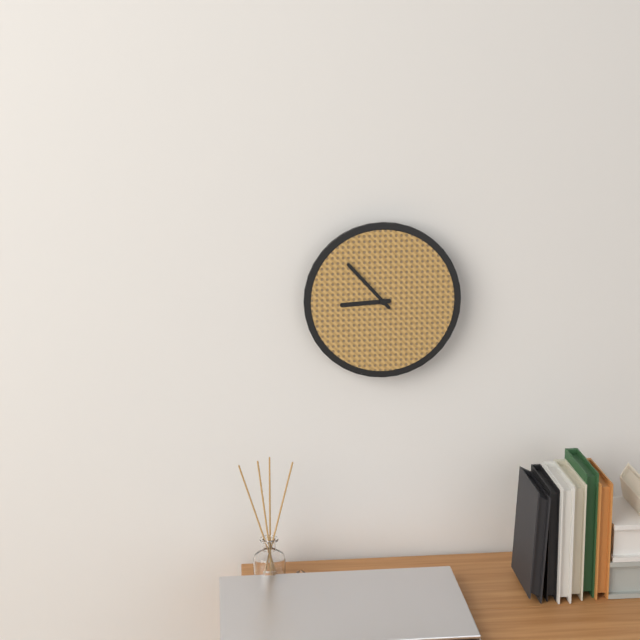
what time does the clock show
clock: 8:53
